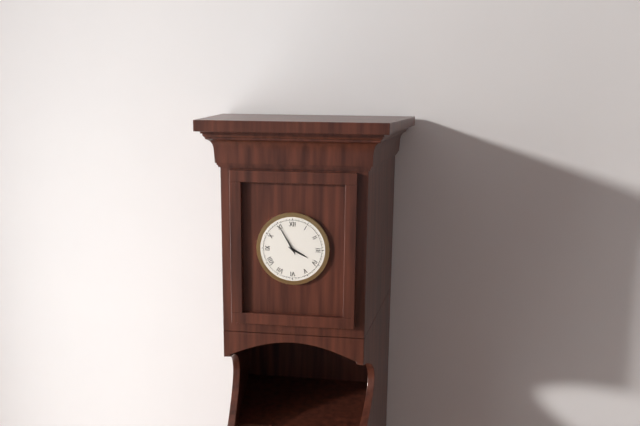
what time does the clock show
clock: 3:55
